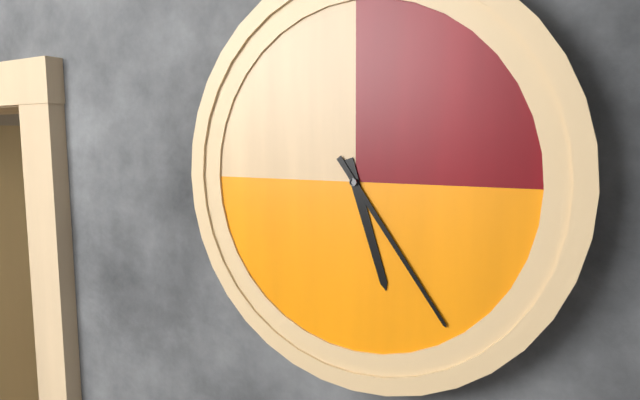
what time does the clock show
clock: 5:24
